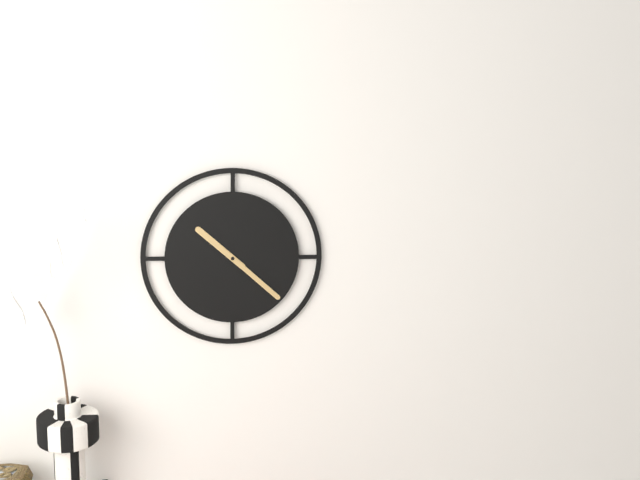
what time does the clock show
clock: 10:22
